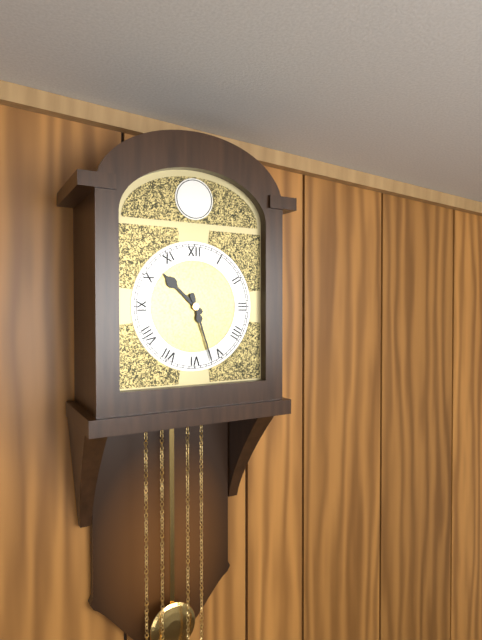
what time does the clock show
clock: 10:27
